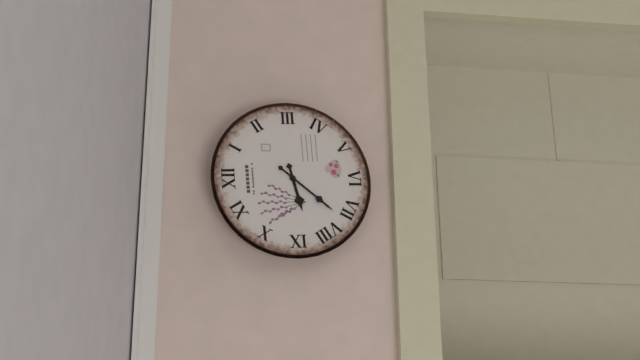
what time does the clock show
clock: 8:37
